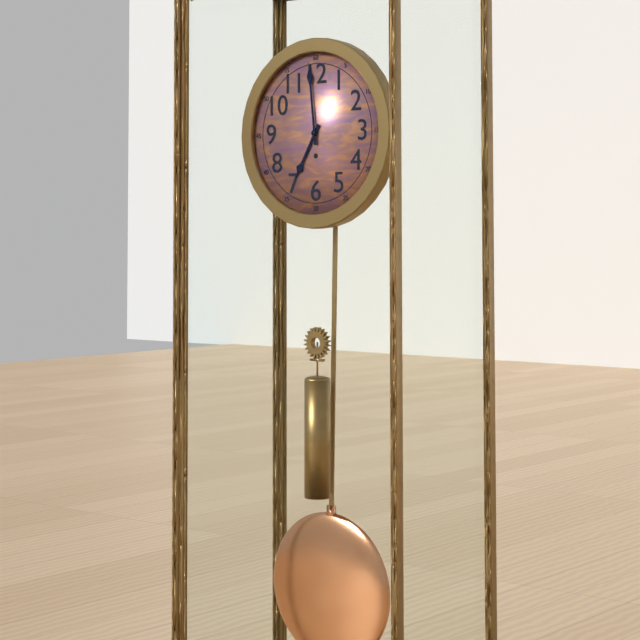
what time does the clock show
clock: 6:59
